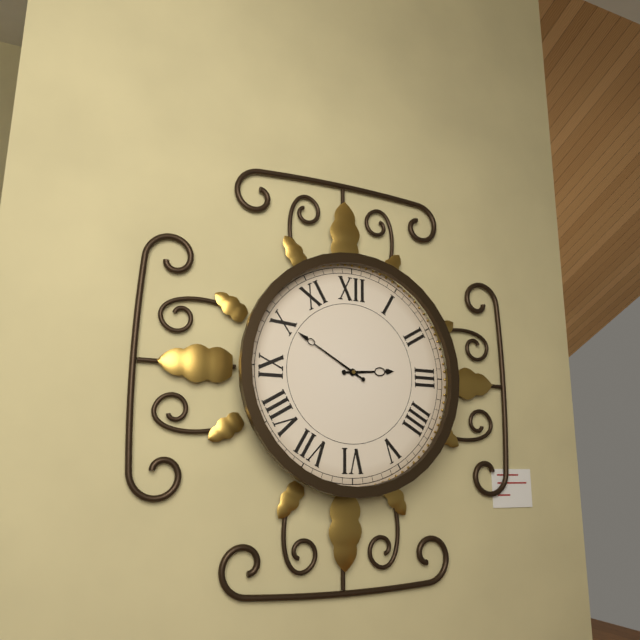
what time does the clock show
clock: 2:50
